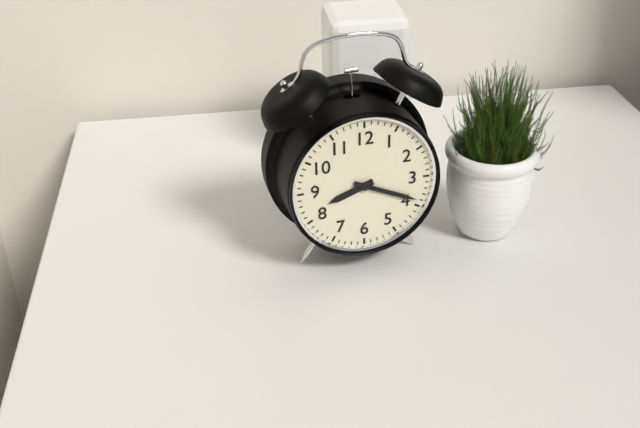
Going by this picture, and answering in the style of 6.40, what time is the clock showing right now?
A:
8.19
